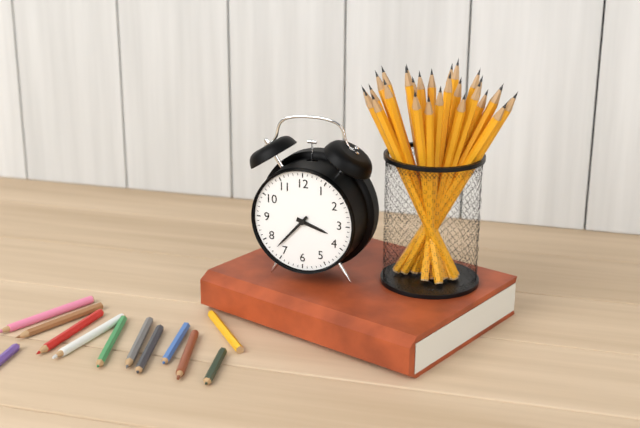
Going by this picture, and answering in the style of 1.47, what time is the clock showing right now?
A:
3.37
